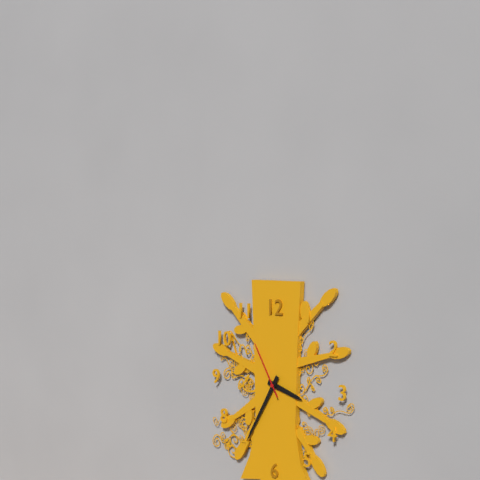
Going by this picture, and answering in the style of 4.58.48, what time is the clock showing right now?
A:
3.35.55
